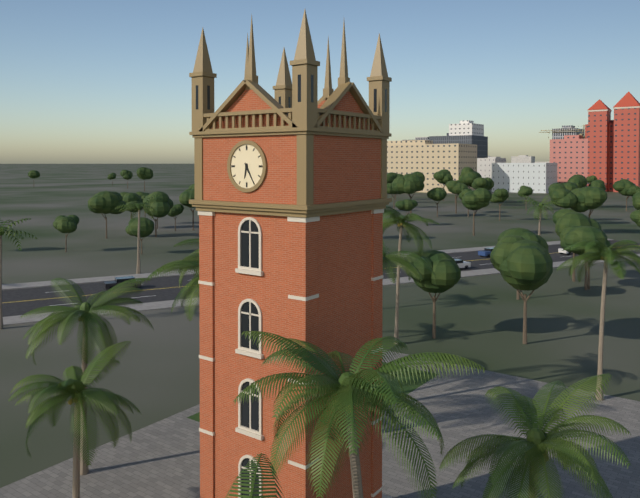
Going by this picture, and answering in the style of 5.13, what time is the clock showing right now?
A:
6.25
